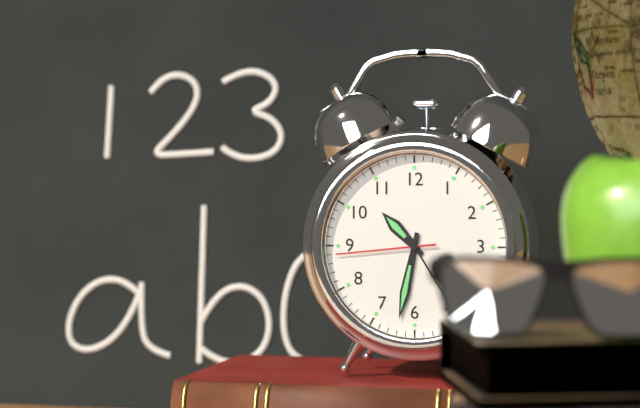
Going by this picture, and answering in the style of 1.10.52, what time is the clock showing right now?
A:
10.32.44
